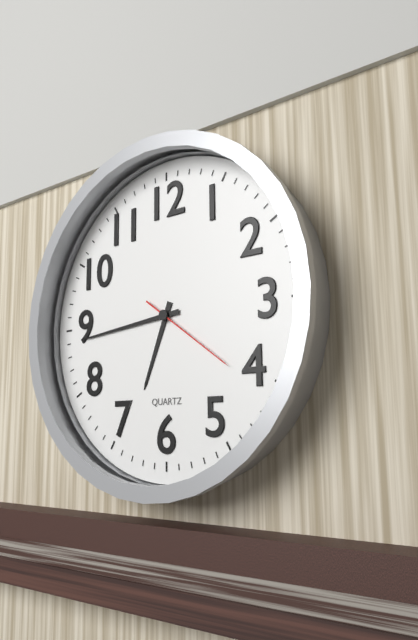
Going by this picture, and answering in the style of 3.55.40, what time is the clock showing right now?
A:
6.44.21
